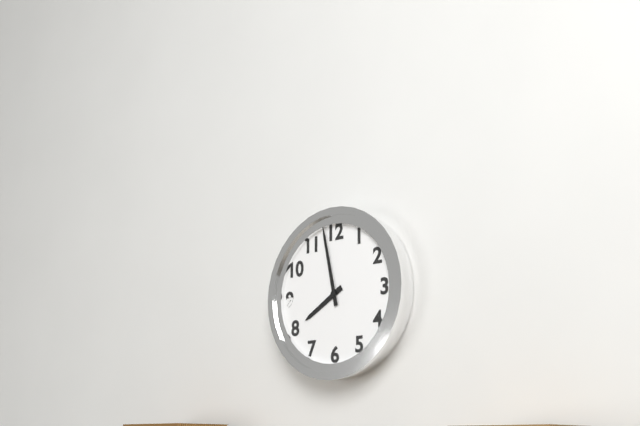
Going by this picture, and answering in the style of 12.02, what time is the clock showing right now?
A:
7.58
